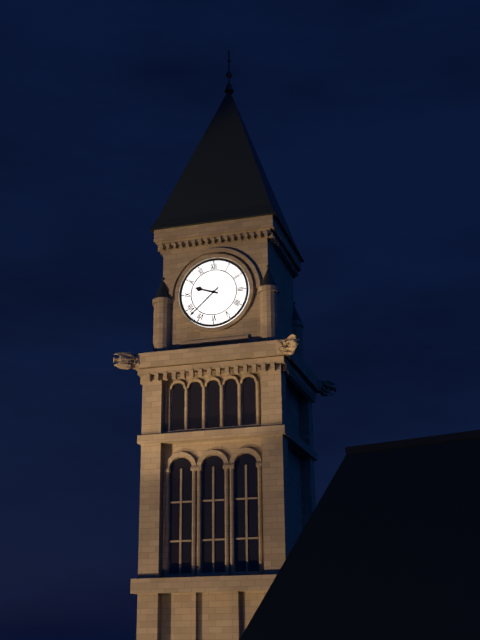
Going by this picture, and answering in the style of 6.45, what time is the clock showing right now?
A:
9.38
